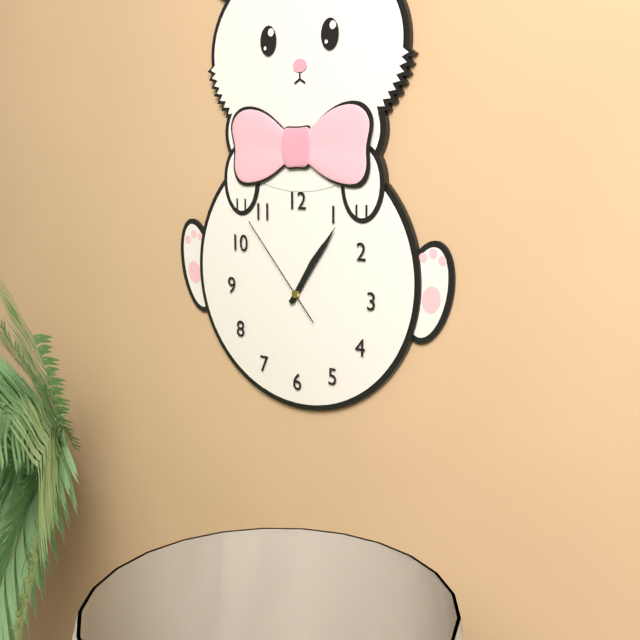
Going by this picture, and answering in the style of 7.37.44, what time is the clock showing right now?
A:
1.06.53
